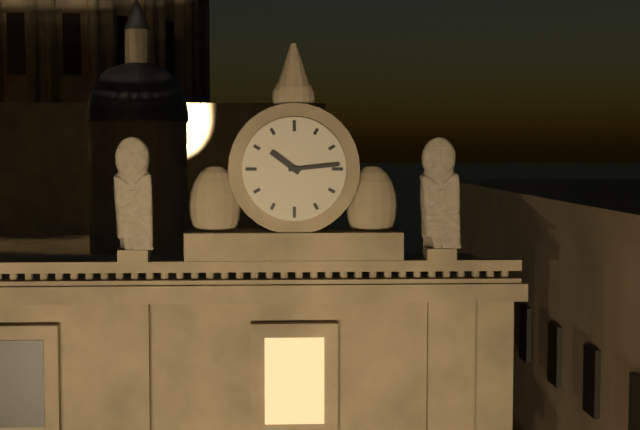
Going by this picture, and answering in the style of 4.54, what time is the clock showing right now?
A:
10.14
